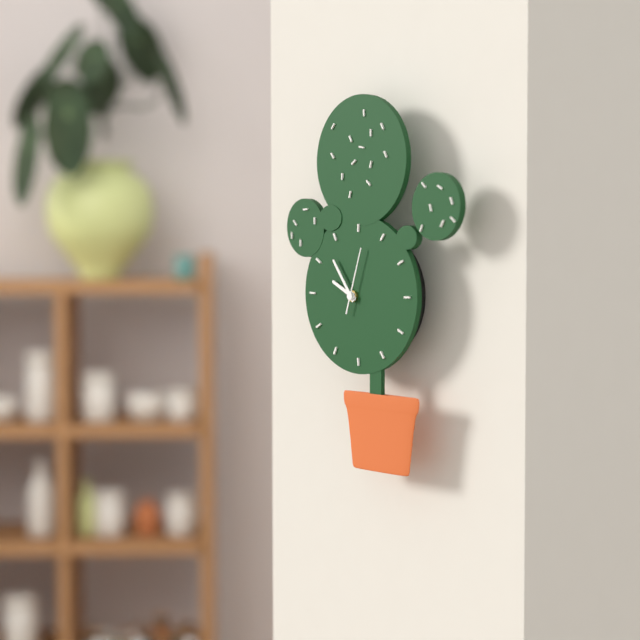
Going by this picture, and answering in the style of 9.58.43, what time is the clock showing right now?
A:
9.54.03
